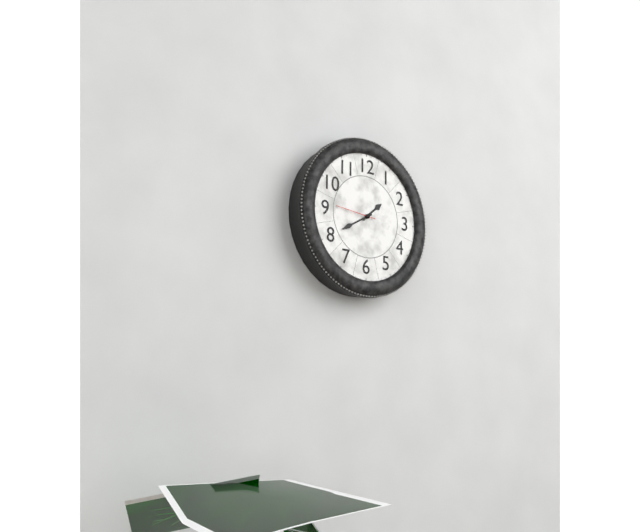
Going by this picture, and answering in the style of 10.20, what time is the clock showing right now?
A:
1.40
